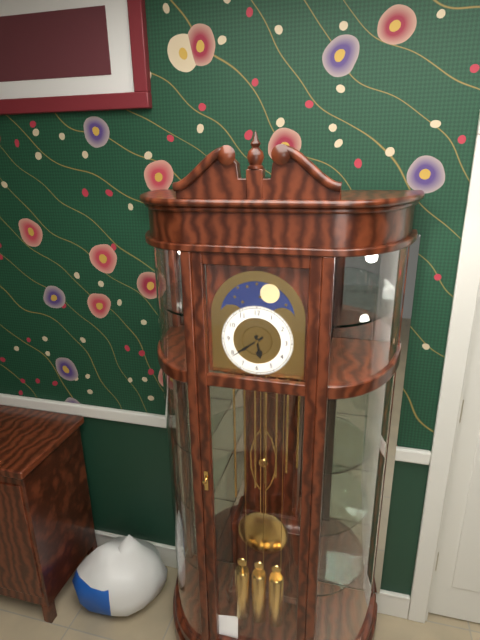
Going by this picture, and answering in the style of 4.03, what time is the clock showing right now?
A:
5.39
